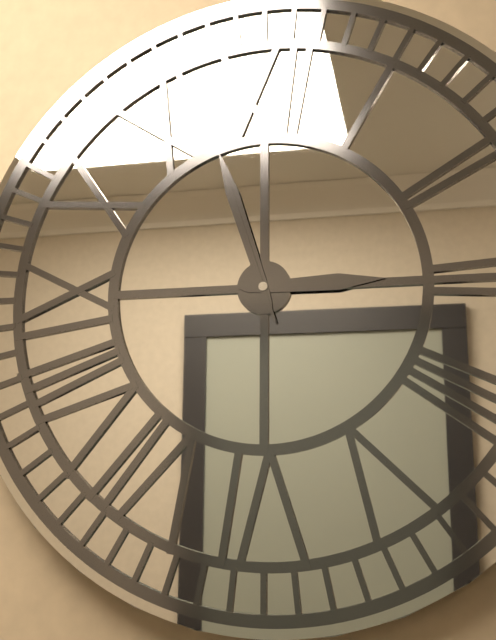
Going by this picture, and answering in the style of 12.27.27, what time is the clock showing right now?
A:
2.57.57
